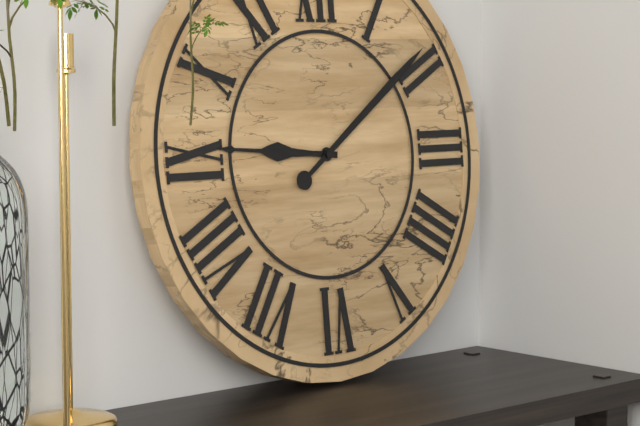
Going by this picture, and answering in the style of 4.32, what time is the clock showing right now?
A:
9.09
